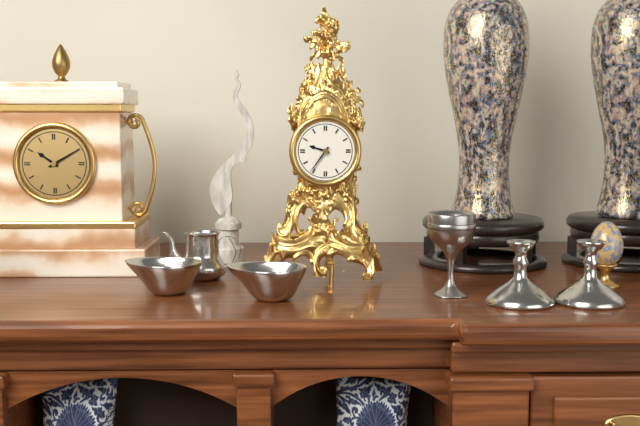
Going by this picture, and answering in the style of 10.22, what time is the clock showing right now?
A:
9.36
